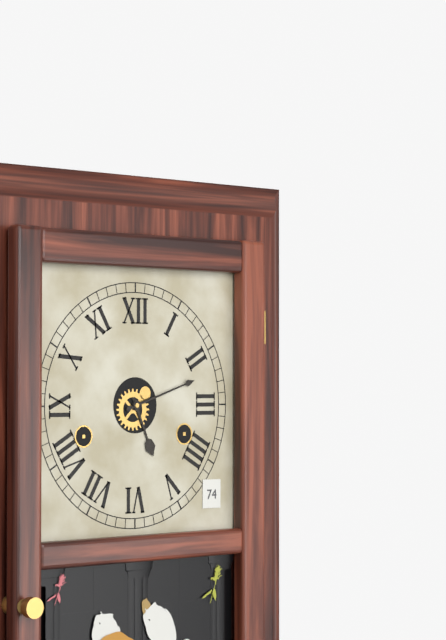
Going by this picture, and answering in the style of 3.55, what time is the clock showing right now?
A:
5.12
